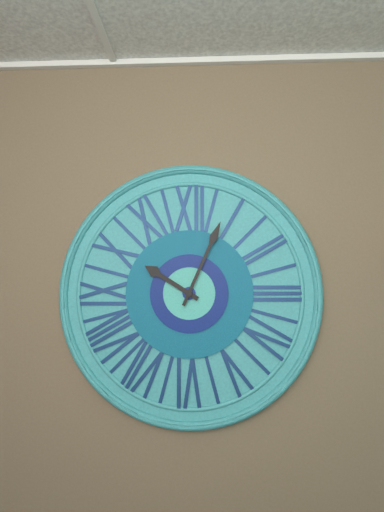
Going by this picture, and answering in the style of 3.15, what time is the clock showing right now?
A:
10.04
